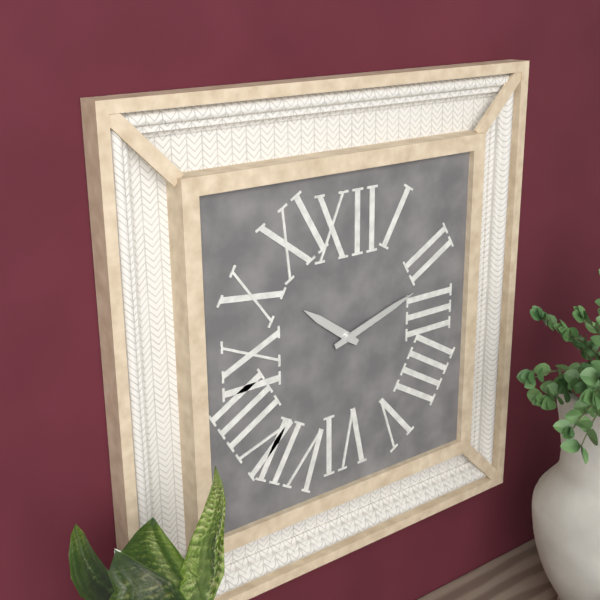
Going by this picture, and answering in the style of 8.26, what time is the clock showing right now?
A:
10.12
